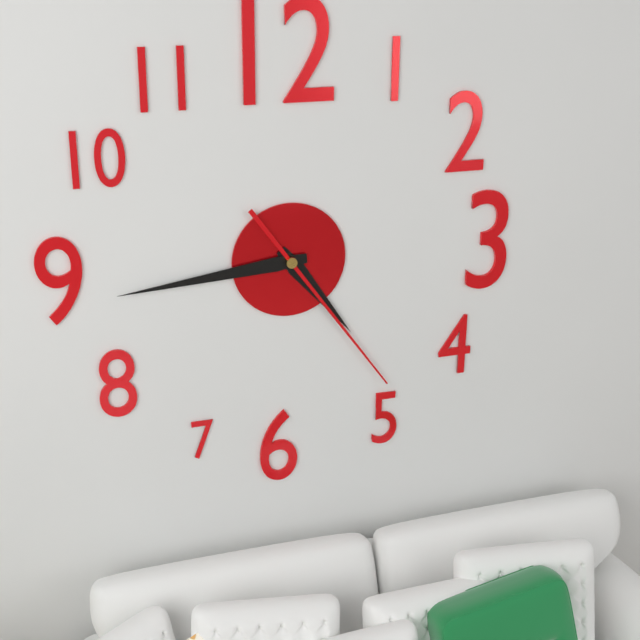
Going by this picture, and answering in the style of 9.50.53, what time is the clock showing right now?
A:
4.44.24
